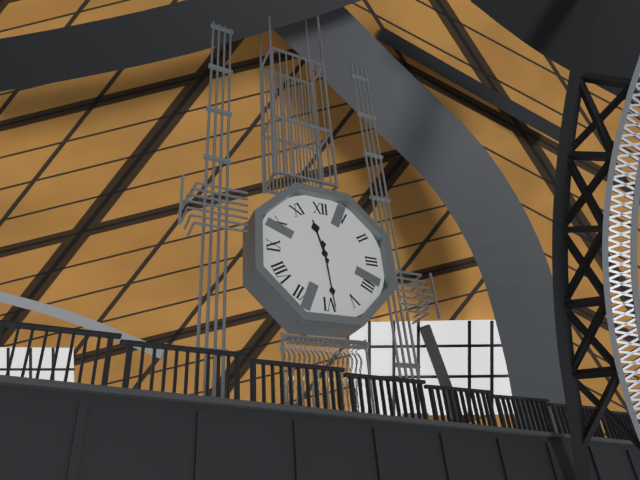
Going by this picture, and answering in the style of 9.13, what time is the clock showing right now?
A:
11.29
